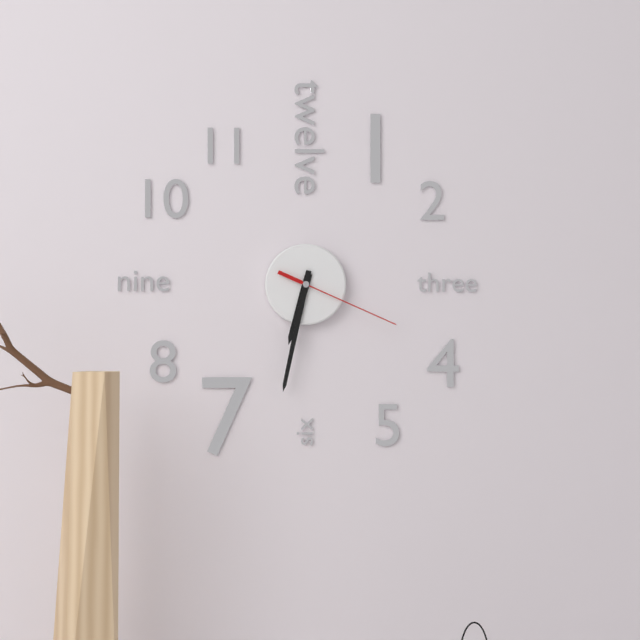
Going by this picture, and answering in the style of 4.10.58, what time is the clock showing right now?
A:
6.32.19
